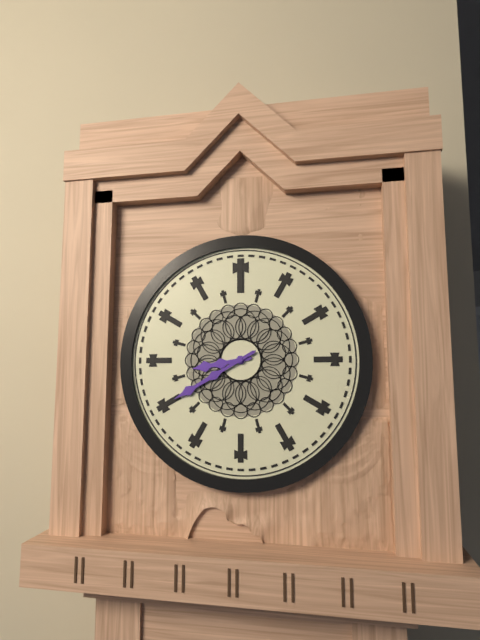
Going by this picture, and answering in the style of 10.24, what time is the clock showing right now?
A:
8.40
